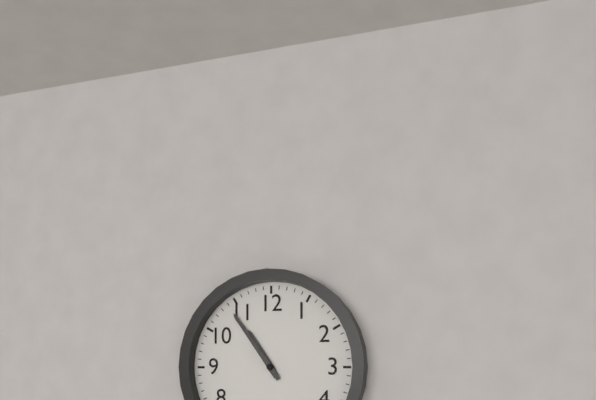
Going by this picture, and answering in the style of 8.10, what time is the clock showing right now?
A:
10.54
